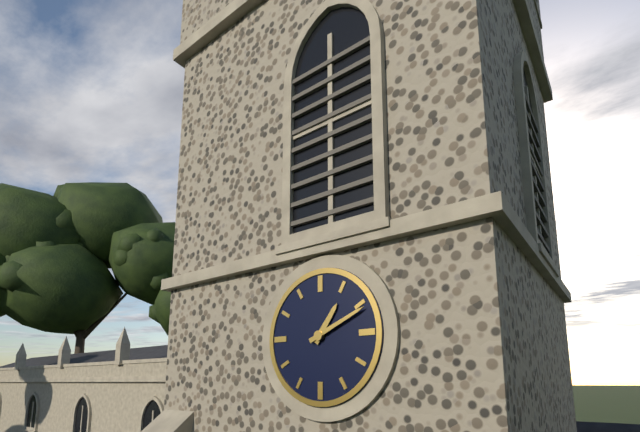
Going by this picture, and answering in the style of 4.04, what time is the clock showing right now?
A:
1.11
